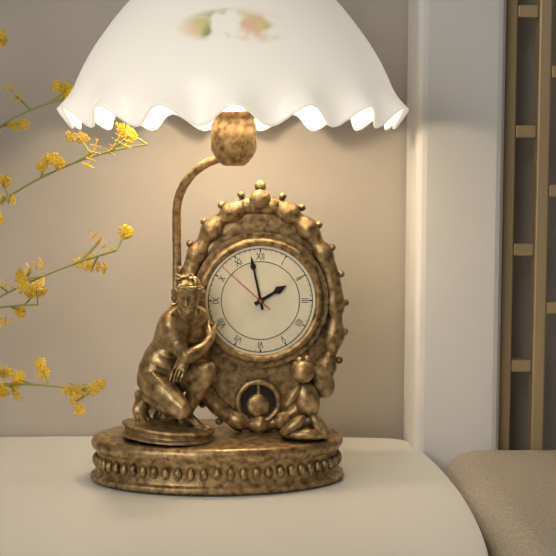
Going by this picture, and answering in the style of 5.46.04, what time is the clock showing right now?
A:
1.58.52
